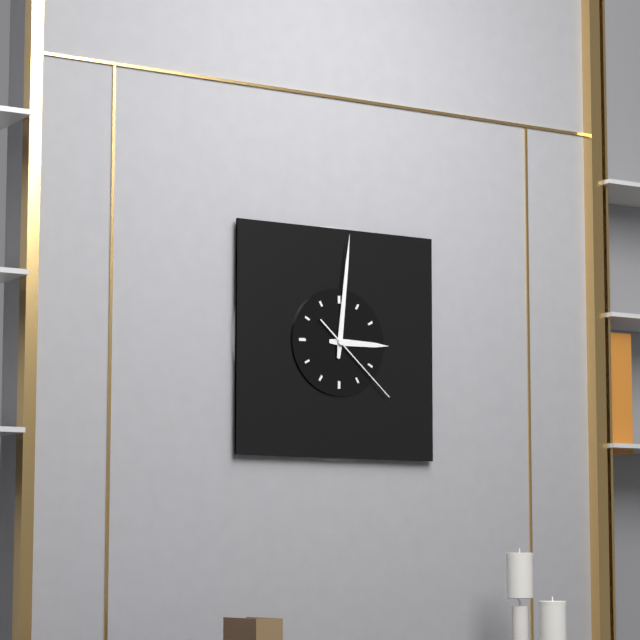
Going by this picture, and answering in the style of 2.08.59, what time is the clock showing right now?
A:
3.01.22
